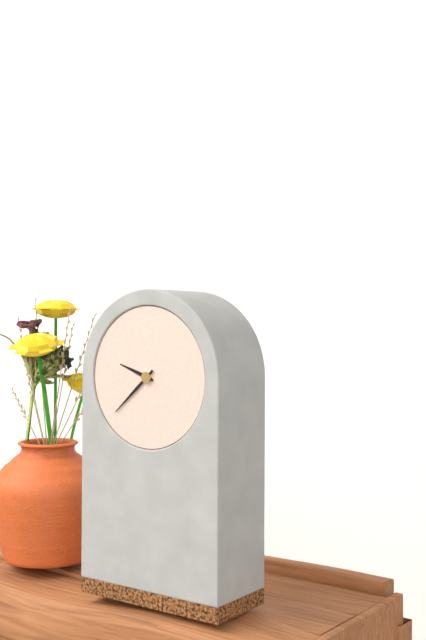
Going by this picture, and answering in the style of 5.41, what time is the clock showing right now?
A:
9.38
